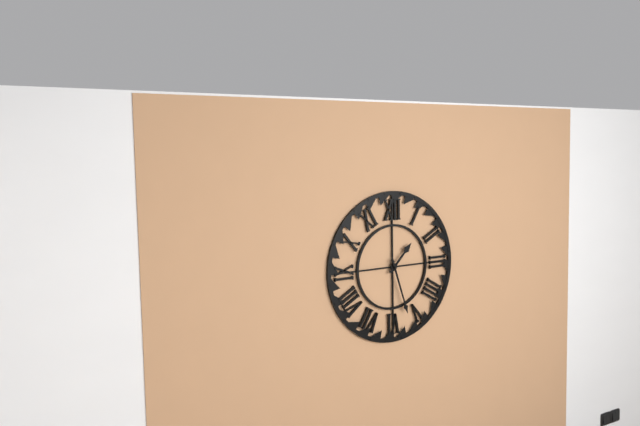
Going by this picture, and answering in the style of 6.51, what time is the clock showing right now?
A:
1.27
